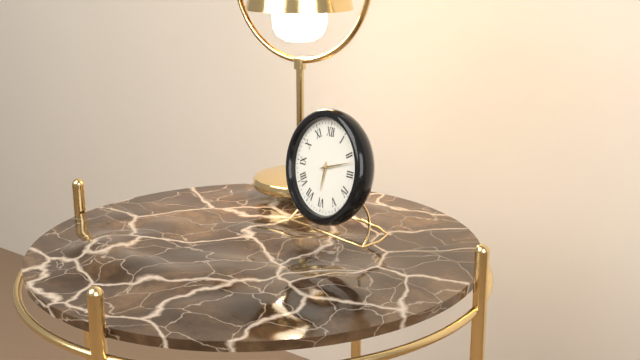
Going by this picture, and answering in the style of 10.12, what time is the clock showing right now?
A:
6.12
